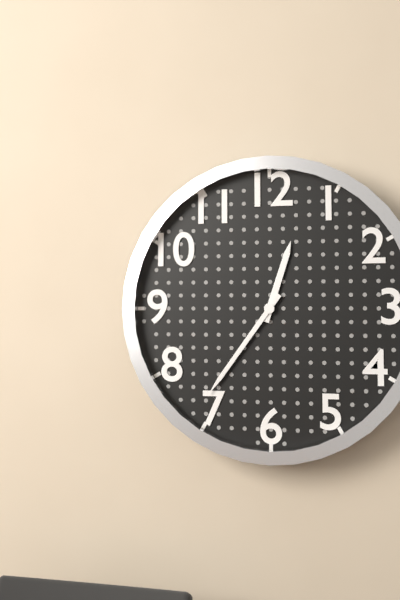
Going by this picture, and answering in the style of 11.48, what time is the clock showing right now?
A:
12.36
